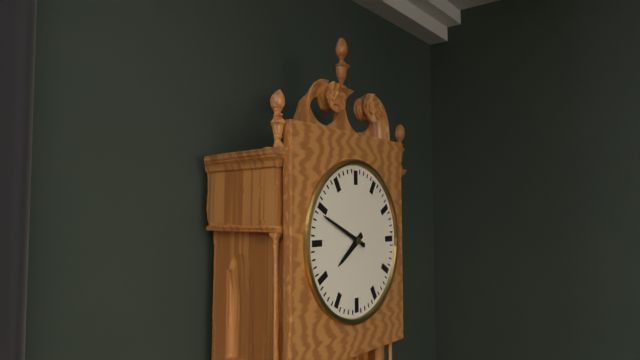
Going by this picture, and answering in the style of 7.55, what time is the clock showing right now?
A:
7.49
